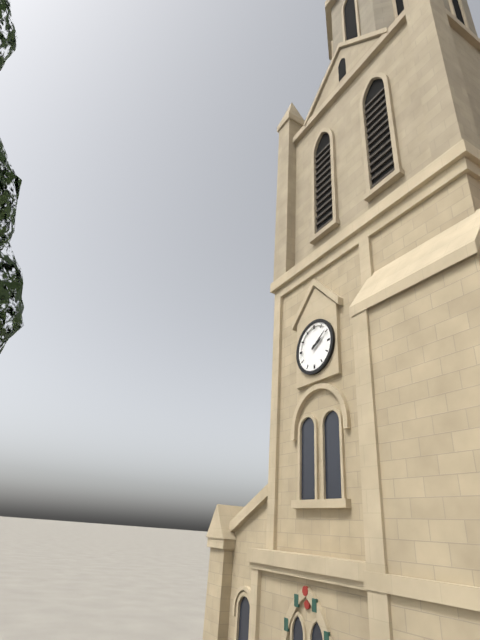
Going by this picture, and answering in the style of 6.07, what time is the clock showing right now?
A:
2.09
